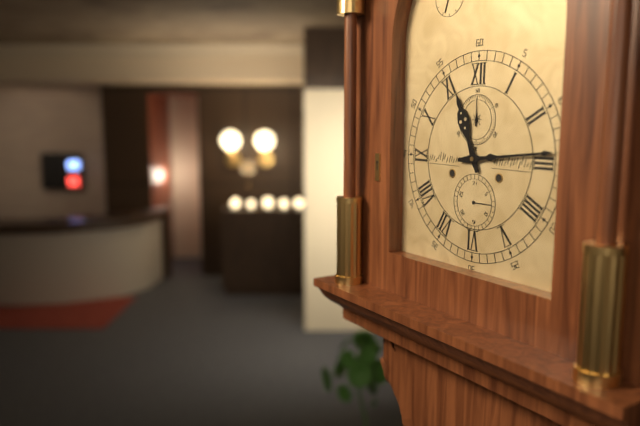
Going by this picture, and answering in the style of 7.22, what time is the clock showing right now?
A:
11.14
